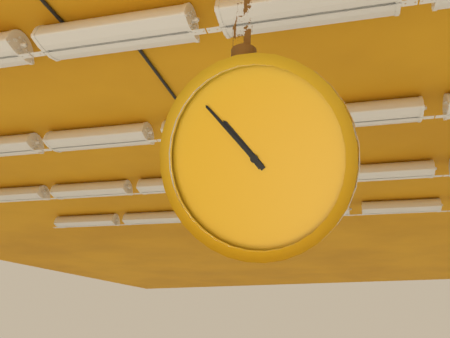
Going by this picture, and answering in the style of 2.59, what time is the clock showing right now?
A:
10.54
